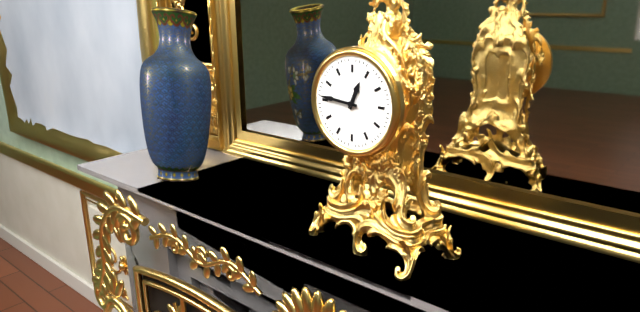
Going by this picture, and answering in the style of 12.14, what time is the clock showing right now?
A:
12.46
